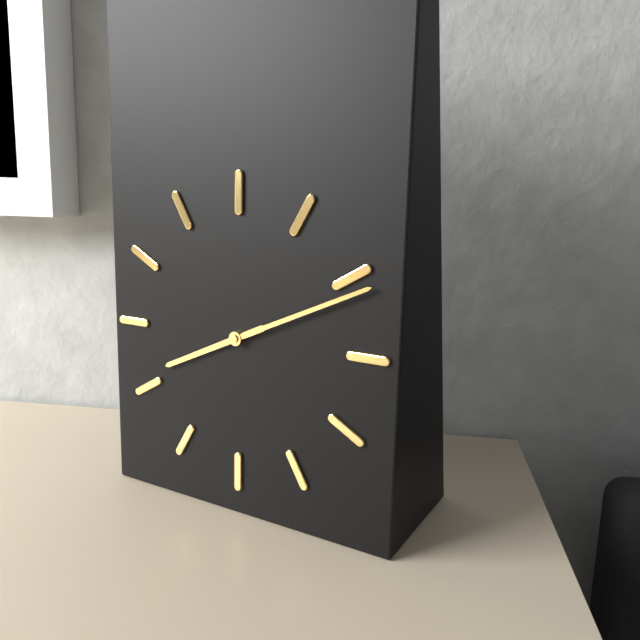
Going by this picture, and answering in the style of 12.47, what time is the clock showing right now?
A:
8.11
